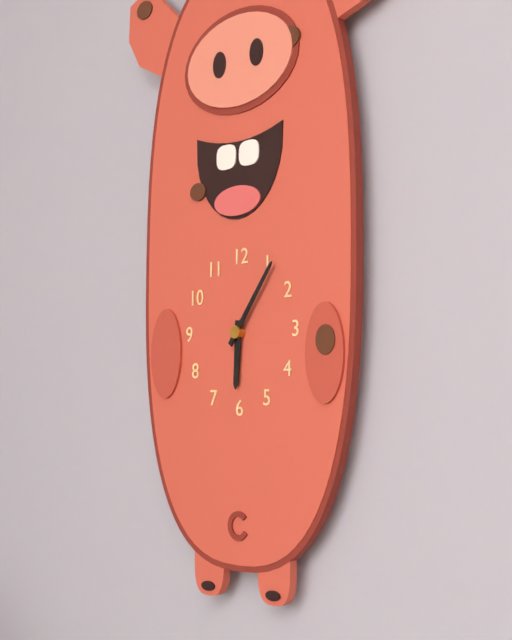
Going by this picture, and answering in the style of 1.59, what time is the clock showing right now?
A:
6.06
